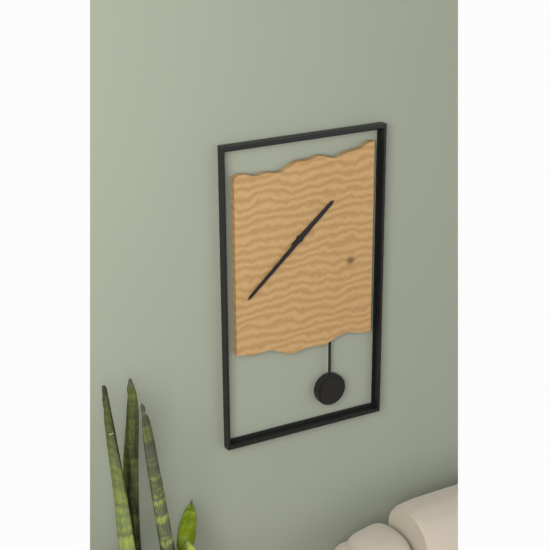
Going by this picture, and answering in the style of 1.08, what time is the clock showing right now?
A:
1.38
